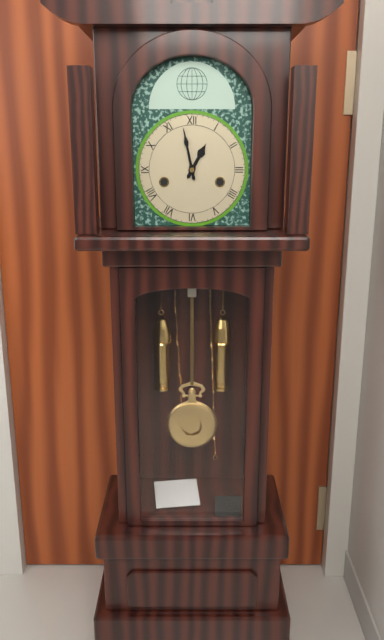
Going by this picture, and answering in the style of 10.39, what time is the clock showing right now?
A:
12.58
